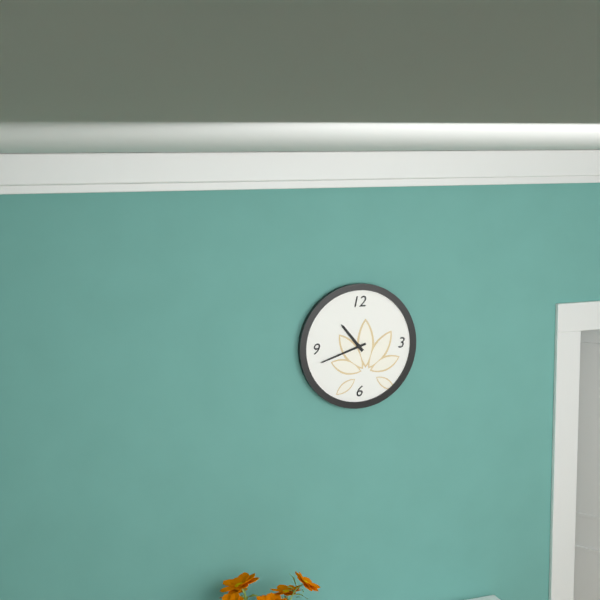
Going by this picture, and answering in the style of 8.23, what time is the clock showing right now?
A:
10.42
